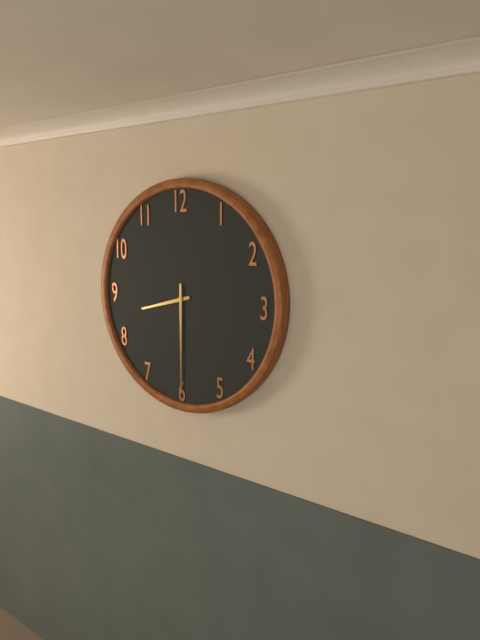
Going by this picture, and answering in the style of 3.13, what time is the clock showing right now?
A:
8.30
